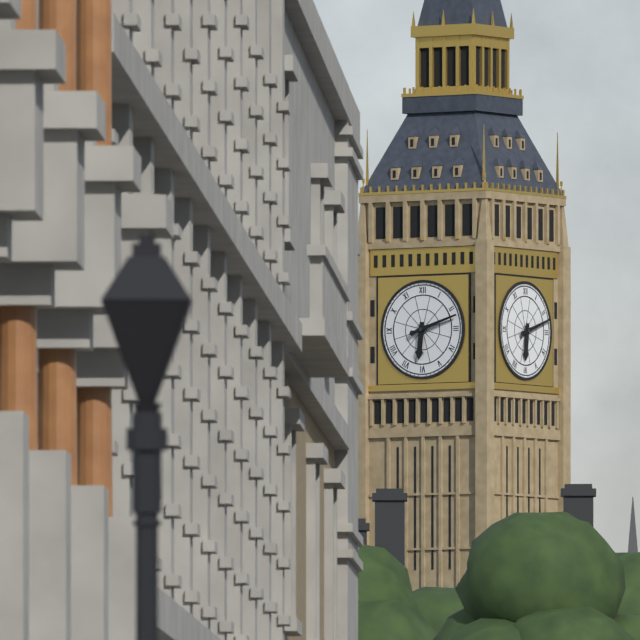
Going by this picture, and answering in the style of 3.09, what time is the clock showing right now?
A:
6.12
